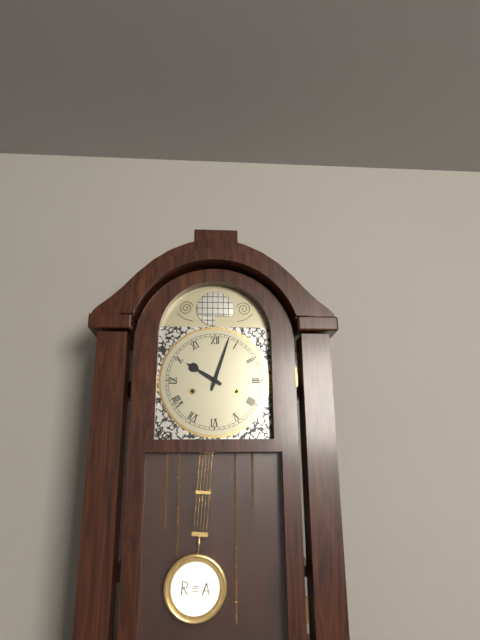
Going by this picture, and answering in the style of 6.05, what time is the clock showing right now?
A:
10.03
